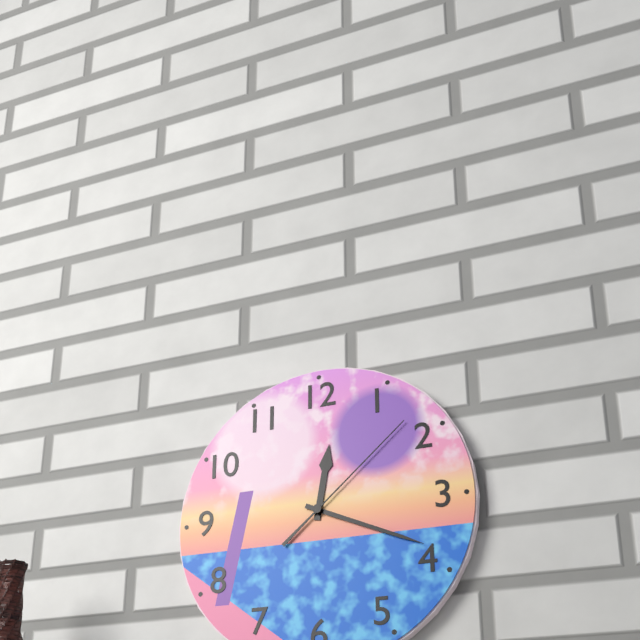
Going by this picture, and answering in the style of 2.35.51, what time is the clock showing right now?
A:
12.19.08
